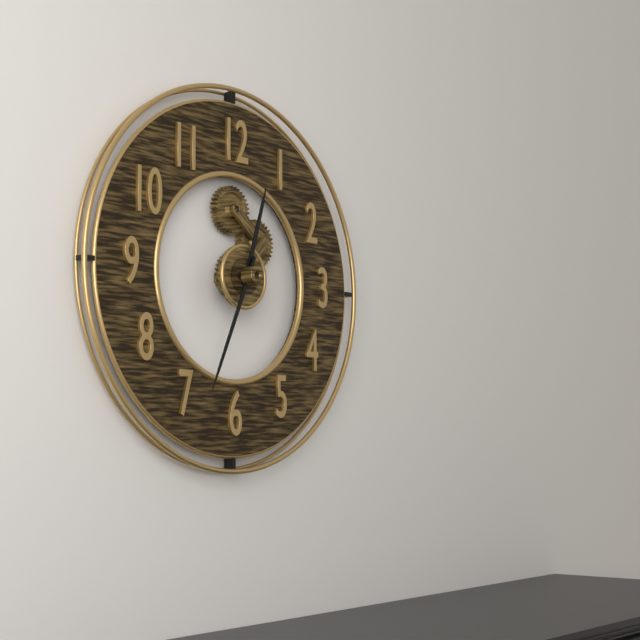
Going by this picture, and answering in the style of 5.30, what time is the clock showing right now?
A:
12.34
